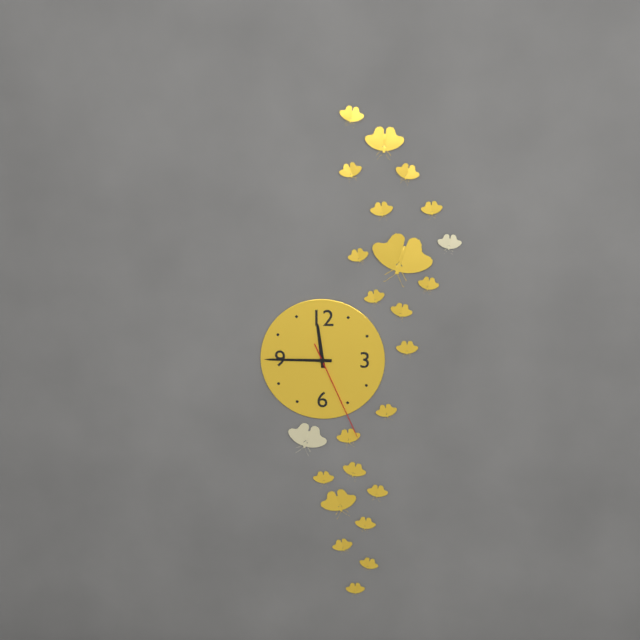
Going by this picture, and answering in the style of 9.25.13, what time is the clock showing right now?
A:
11.45.26
